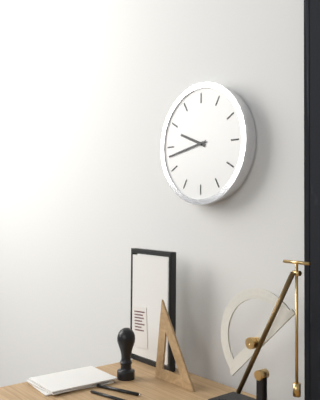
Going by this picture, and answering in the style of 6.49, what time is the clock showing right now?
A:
9.43
